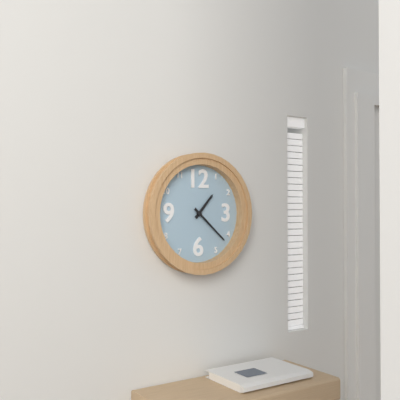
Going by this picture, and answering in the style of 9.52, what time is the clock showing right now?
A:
1.22
